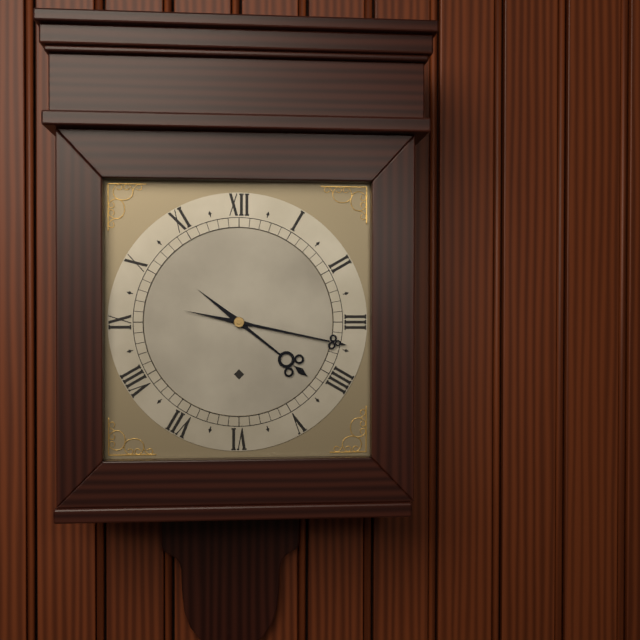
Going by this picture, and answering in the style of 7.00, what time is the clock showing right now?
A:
4.17
